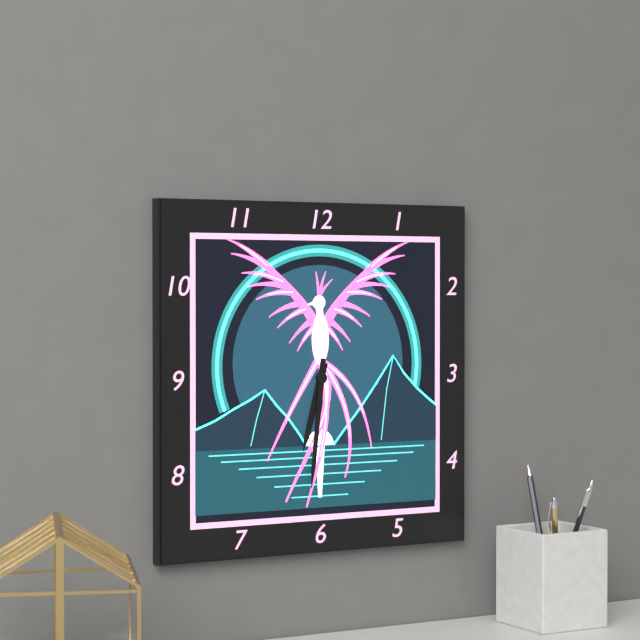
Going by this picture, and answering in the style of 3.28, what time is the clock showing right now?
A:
6.31
